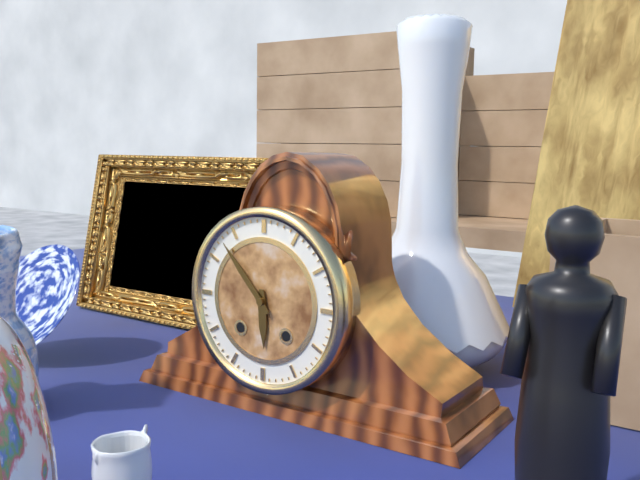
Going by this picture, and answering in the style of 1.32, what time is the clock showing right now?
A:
5.53
